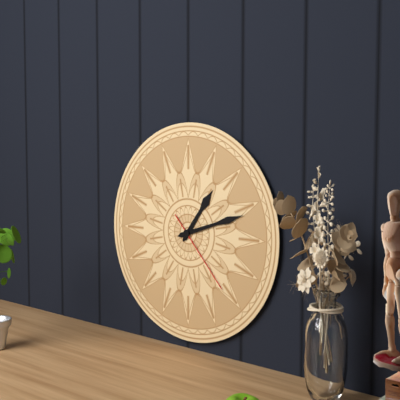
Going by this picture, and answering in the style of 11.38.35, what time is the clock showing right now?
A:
1.12.23
